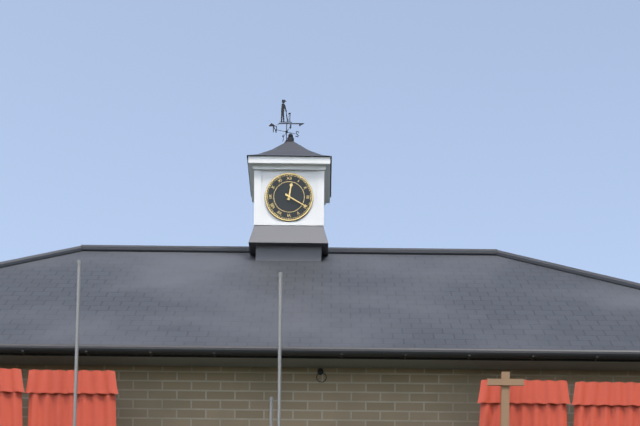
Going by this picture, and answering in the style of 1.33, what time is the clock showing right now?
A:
12.20
